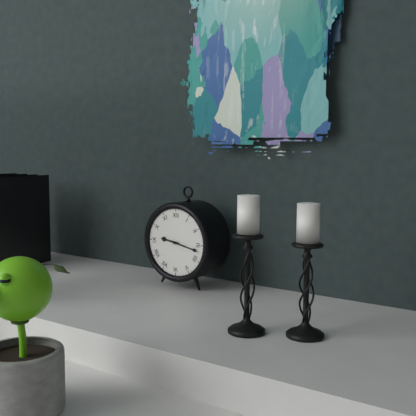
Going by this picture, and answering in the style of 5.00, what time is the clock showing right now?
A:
9.17
